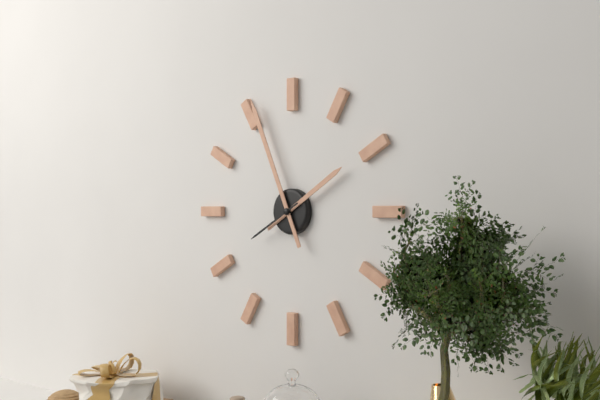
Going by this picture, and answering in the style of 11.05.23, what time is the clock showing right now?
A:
1.56.40
